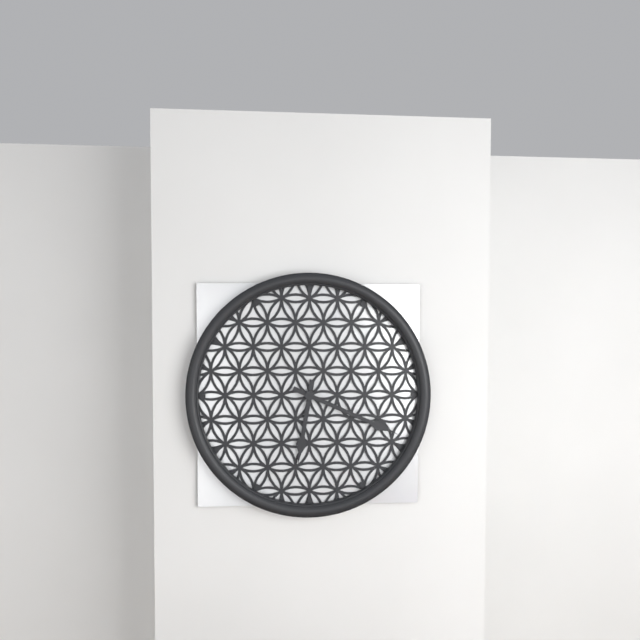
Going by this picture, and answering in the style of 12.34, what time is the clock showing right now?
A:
6.19
